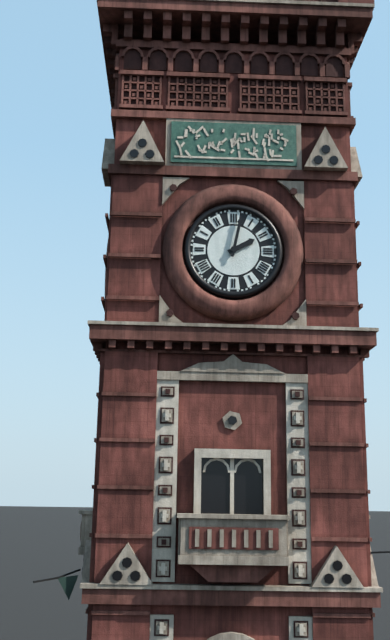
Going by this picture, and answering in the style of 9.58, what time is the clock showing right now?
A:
2.02
